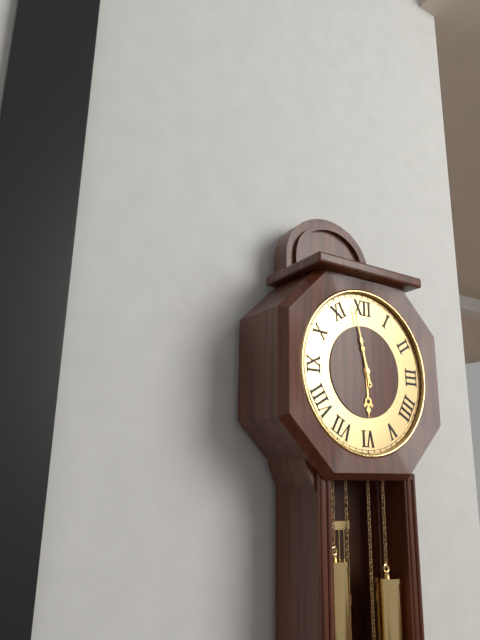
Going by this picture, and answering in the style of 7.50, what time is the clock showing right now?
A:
5.58
